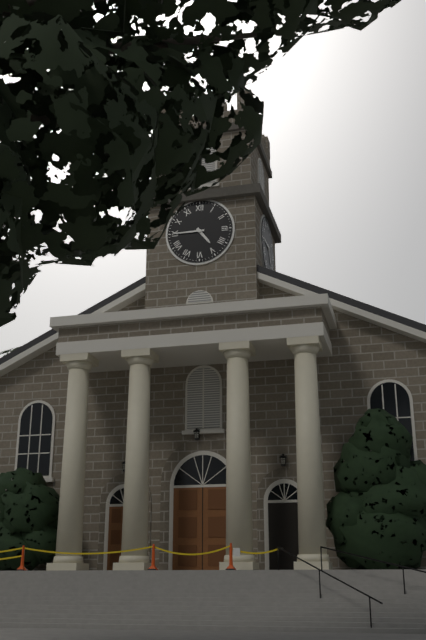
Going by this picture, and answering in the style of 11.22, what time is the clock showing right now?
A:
4.45
